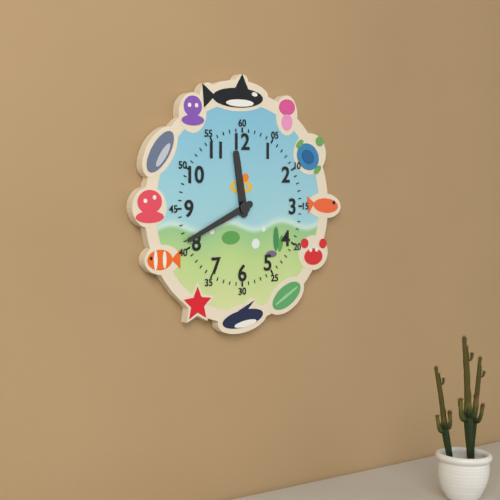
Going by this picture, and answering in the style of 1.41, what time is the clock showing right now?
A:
11.41
